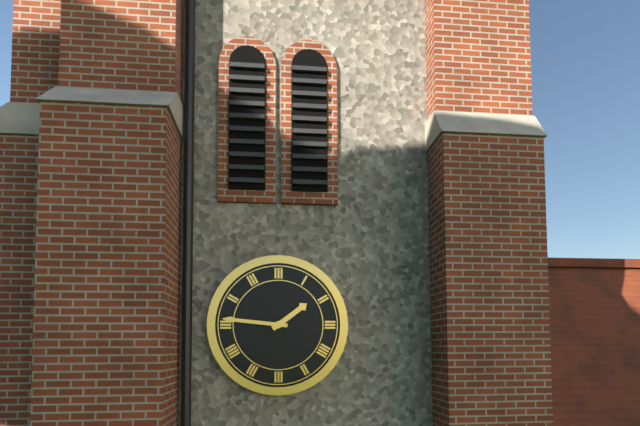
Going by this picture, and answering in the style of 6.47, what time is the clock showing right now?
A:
1.46
